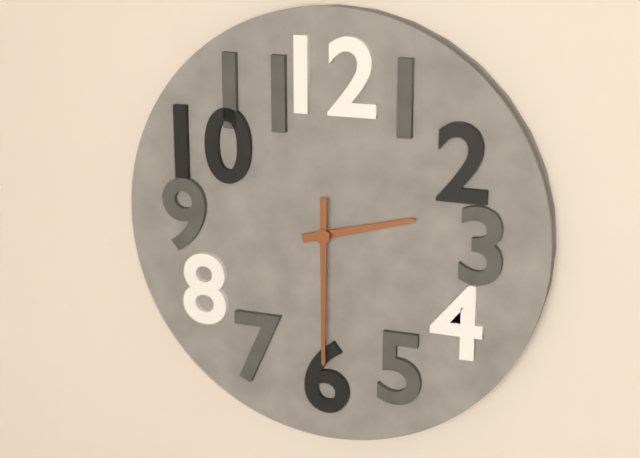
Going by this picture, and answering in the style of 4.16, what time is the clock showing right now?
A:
2.30
